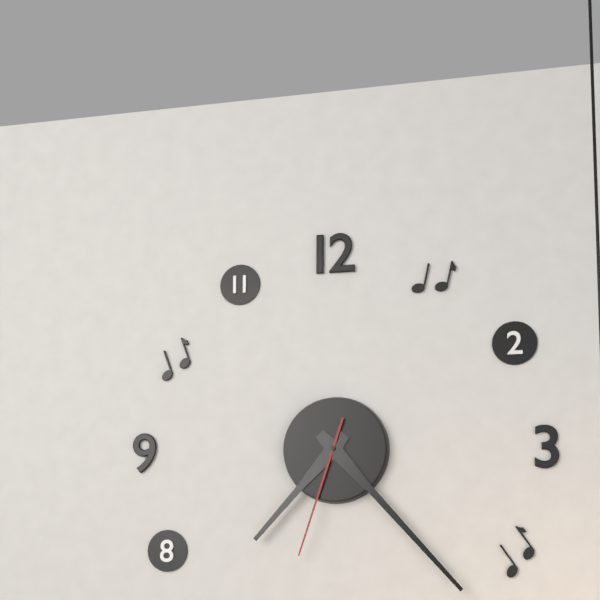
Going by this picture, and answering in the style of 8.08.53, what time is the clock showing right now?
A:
7.23.33
